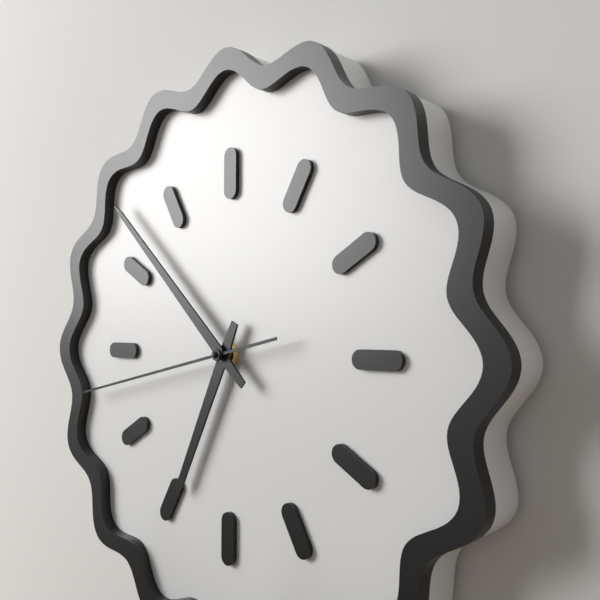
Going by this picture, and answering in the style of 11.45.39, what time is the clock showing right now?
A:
6.52.43
